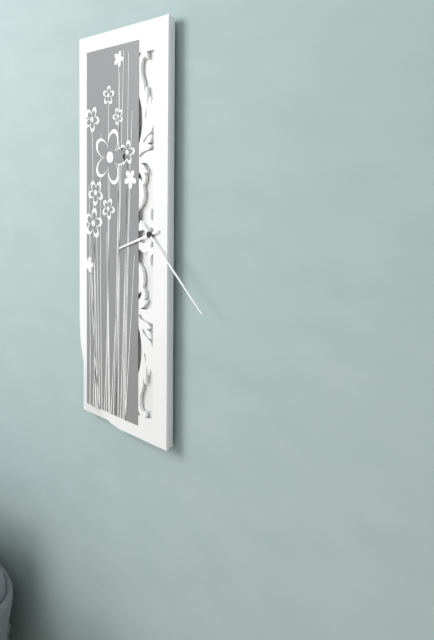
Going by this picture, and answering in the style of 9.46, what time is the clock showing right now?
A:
8.22
